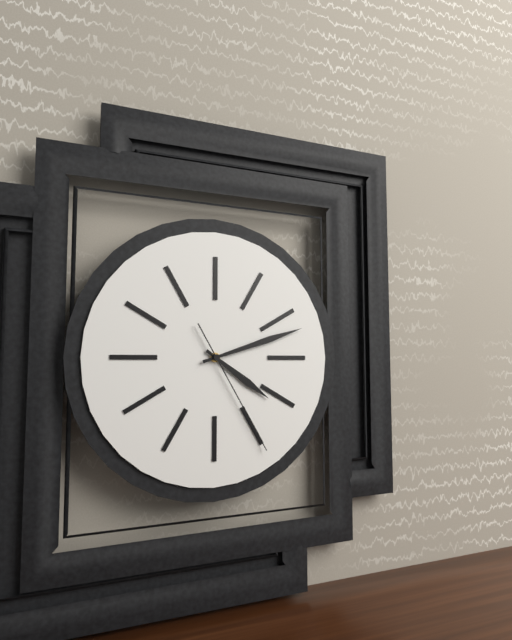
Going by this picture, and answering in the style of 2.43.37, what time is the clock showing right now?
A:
4.12.25
